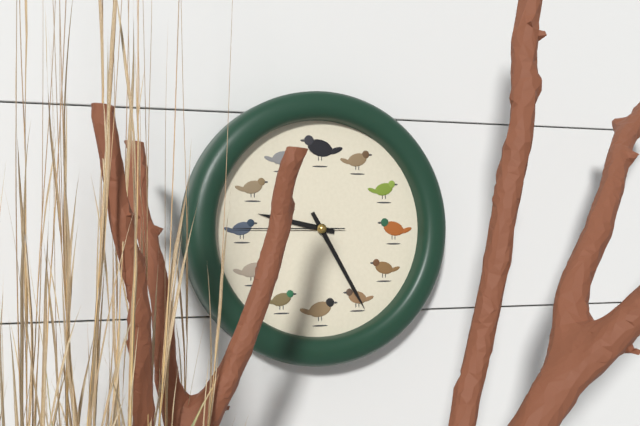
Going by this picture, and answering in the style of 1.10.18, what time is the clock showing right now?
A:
9.25.45
